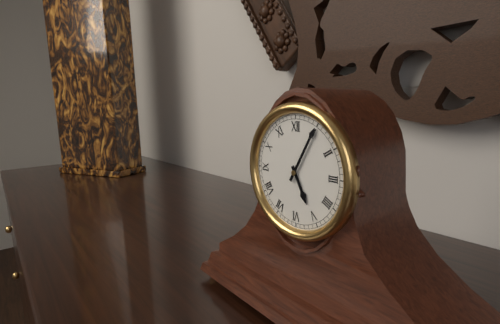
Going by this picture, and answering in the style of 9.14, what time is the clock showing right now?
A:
5.05
